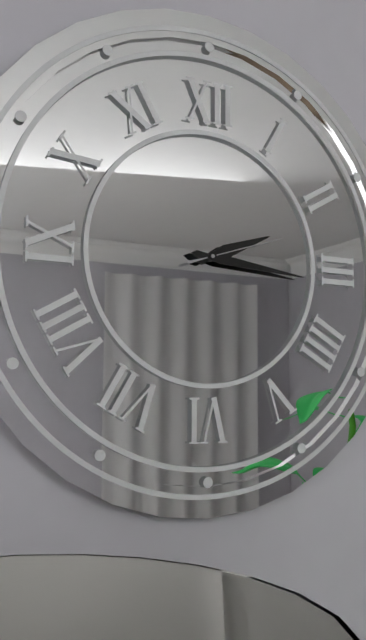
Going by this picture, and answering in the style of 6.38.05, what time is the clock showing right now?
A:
2.16.12
